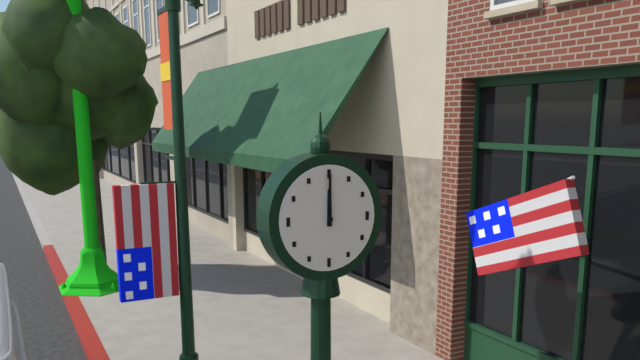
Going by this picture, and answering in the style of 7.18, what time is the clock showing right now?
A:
12.00
